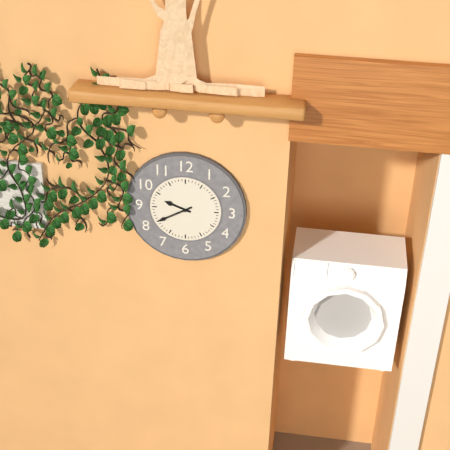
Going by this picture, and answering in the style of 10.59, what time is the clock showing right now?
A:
9.40
